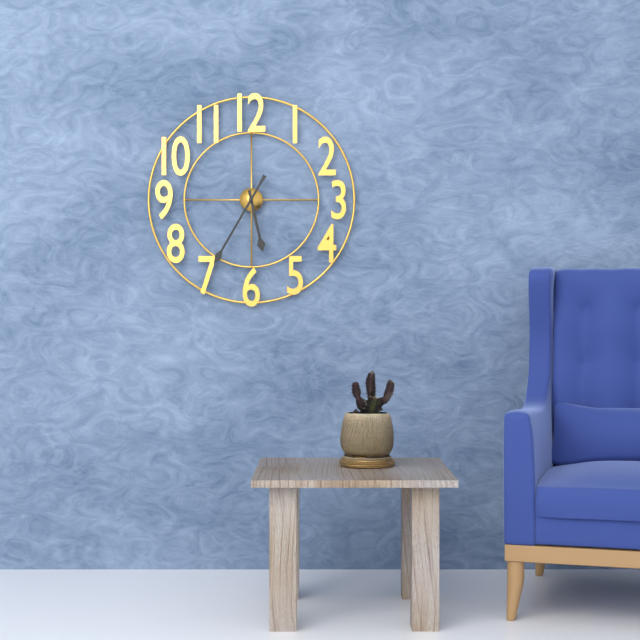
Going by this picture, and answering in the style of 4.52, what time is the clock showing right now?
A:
5.35
